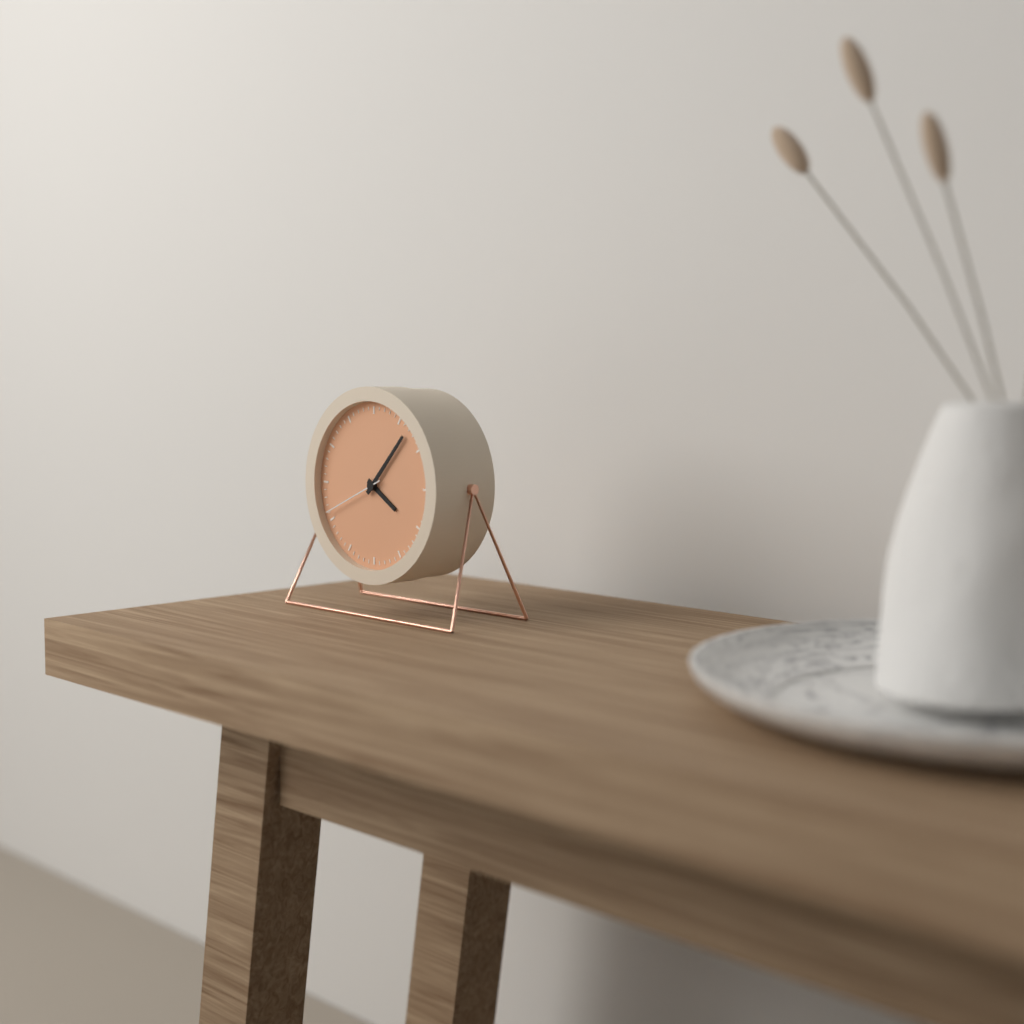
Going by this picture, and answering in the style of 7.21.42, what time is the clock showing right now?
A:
4.07.41
